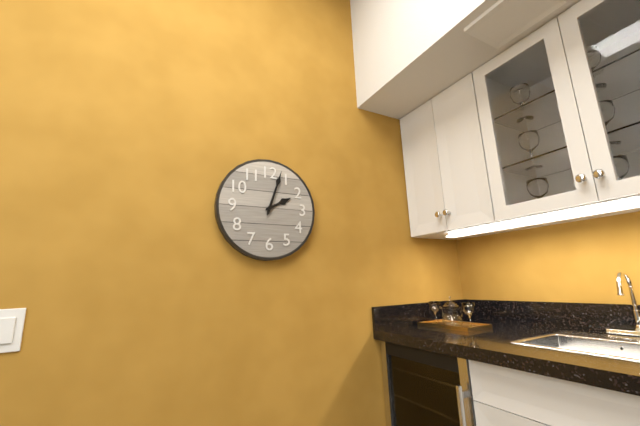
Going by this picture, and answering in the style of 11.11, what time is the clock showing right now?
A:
2.03
